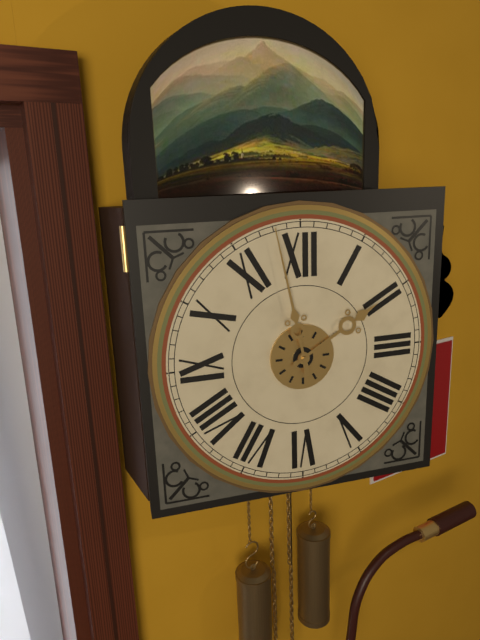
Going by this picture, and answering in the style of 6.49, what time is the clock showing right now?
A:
1.58
